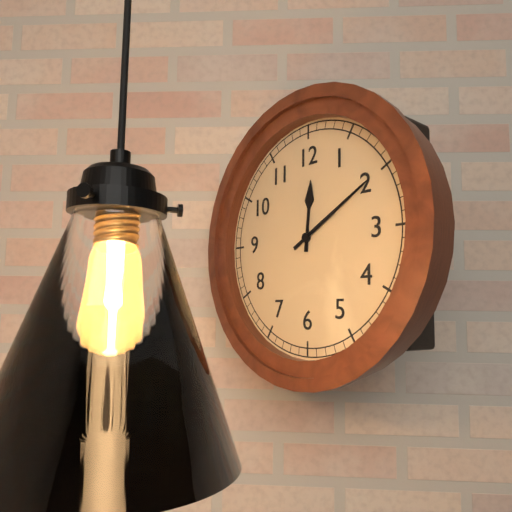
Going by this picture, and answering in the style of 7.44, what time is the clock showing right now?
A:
12.10
